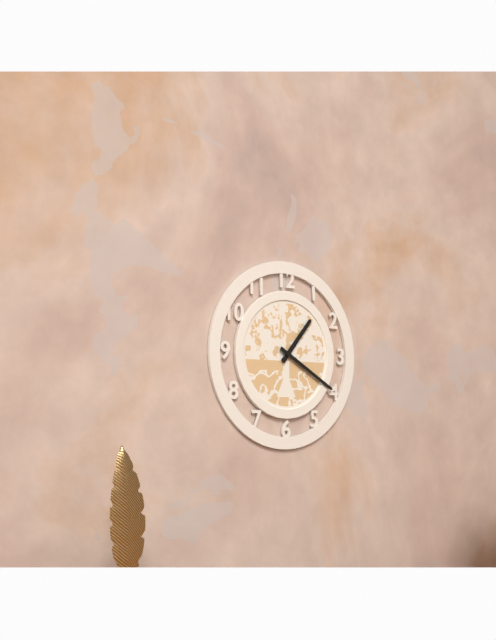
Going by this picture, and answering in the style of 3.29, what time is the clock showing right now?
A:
1.20
